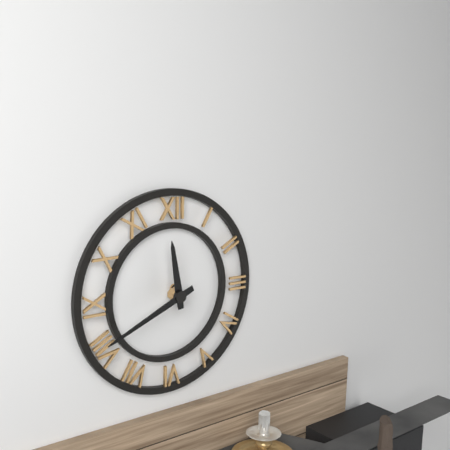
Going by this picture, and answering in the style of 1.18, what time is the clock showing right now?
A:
11.41
